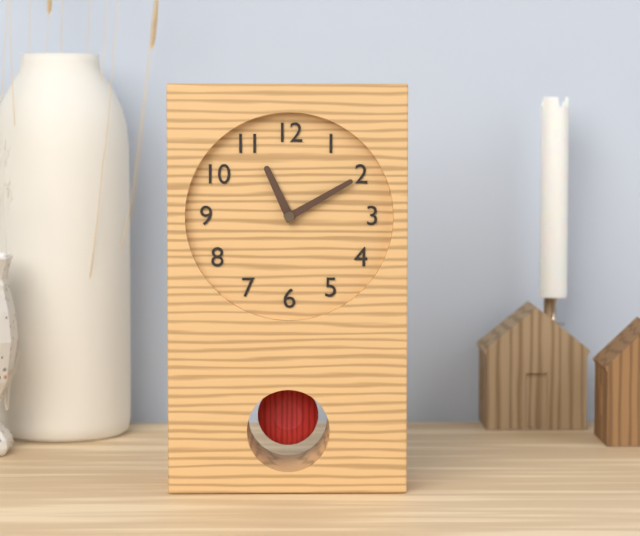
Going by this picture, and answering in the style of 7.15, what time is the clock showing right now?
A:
11.10
